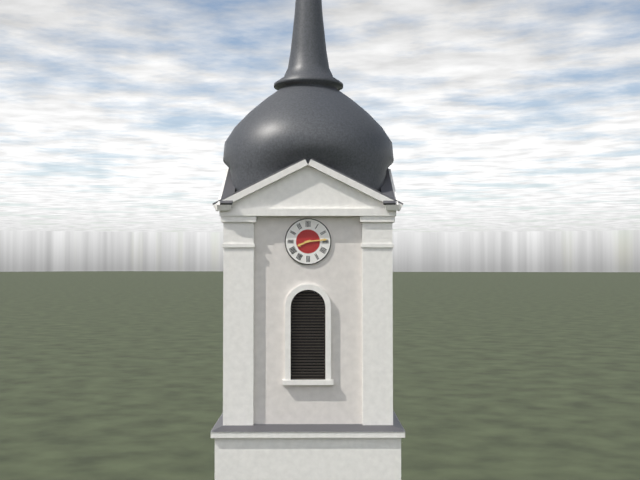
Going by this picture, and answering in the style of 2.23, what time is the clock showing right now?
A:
8.14
